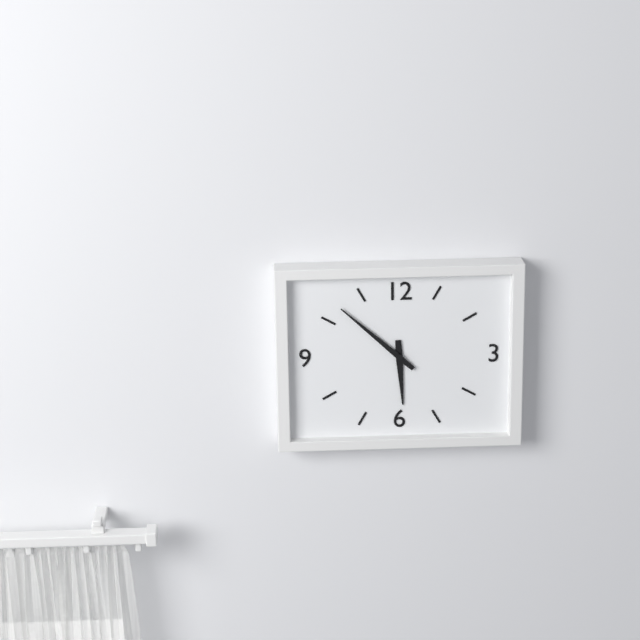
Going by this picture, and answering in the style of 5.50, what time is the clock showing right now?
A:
5.52
